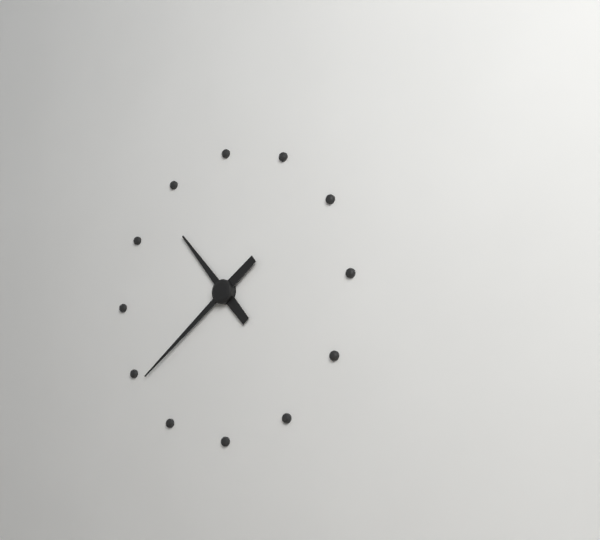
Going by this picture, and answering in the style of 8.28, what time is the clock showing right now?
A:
10.39
